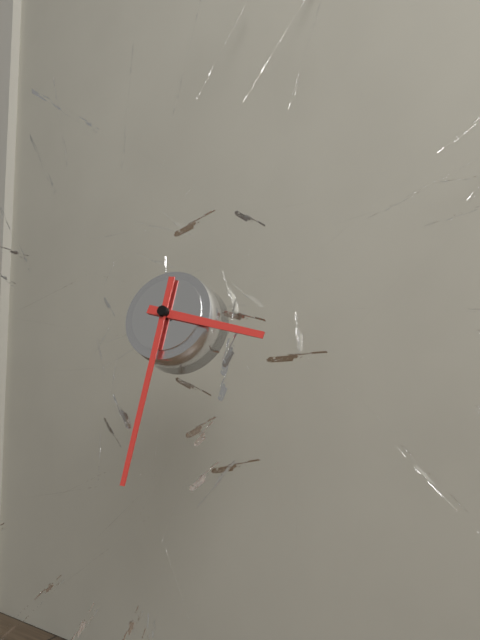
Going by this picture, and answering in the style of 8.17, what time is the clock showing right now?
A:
3.31
